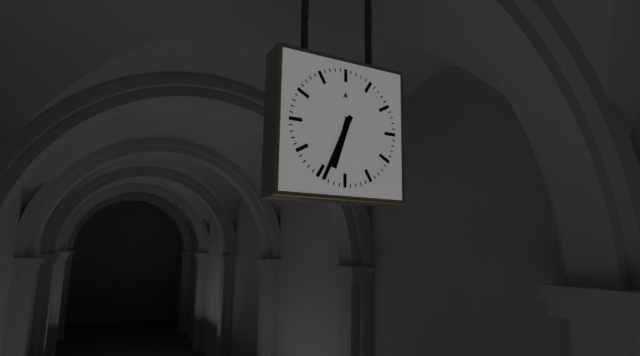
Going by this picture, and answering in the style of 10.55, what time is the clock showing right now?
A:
6.34
